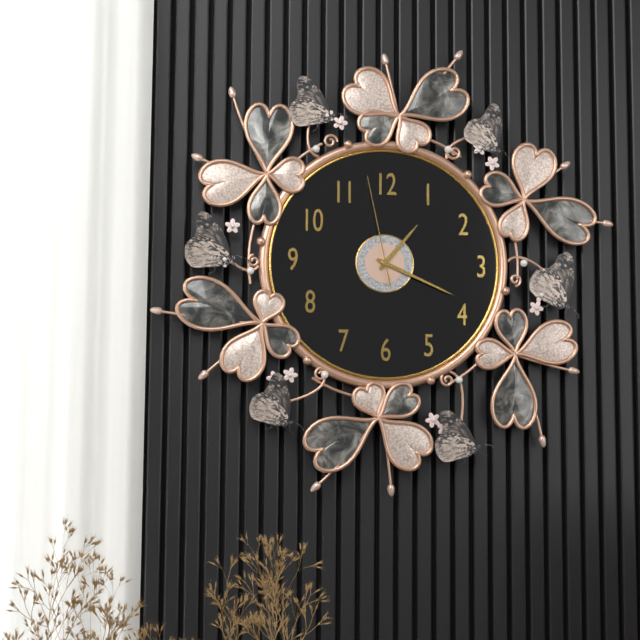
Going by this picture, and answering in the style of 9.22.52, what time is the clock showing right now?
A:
1.19.58
